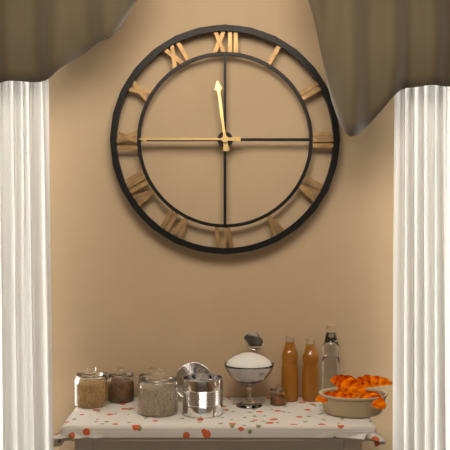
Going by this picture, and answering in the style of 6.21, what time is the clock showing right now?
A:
11.45
